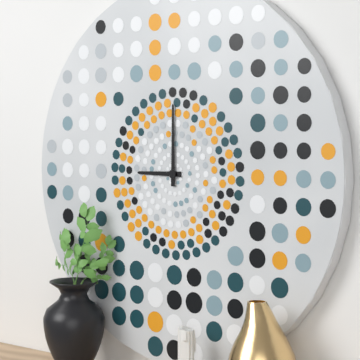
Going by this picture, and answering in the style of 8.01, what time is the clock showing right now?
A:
9.00
